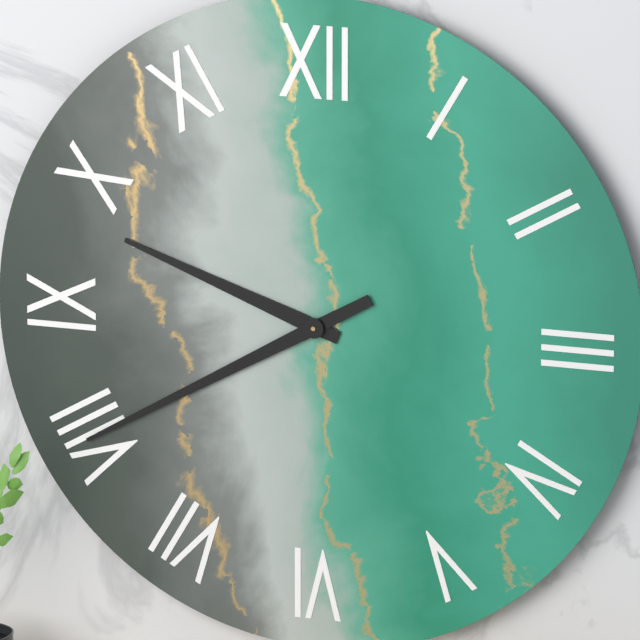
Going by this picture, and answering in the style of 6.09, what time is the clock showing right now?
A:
9.40
